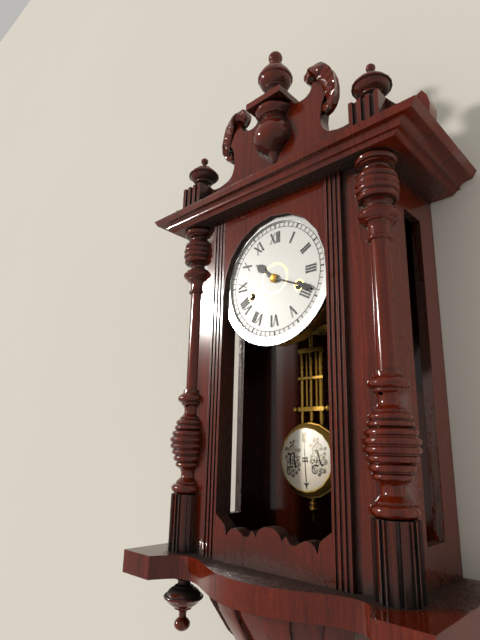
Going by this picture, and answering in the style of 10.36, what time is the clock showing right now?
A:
10.19
